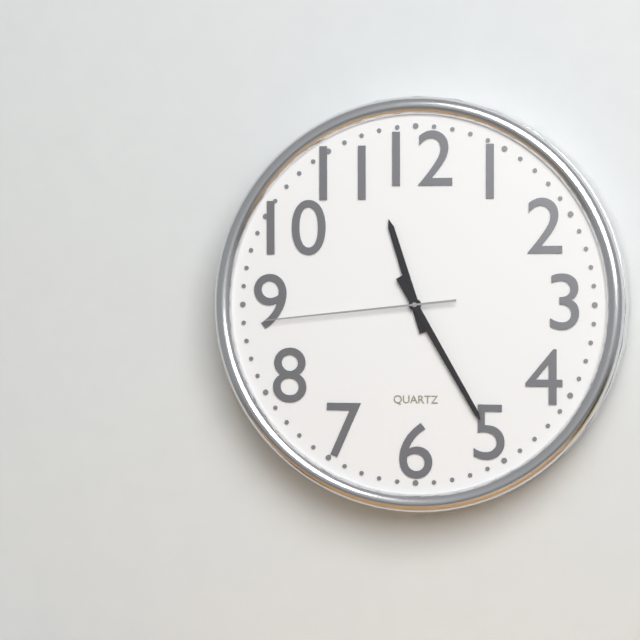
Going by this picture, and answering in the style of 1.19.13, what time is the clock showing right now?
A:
11.25.44
